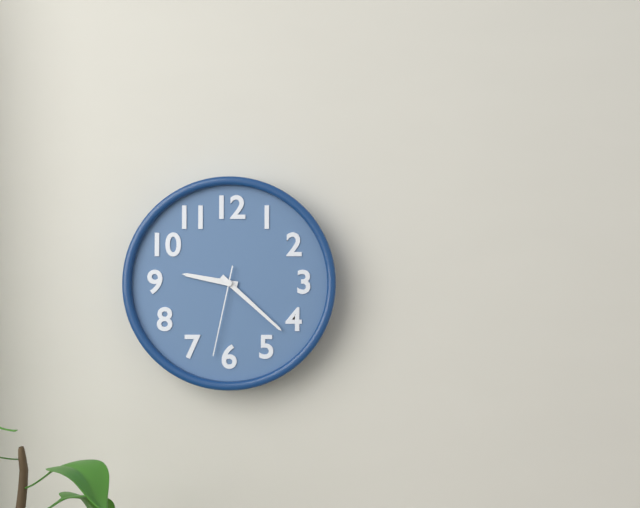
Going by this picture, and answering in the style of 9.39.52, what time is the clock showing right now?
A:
9.22.32
